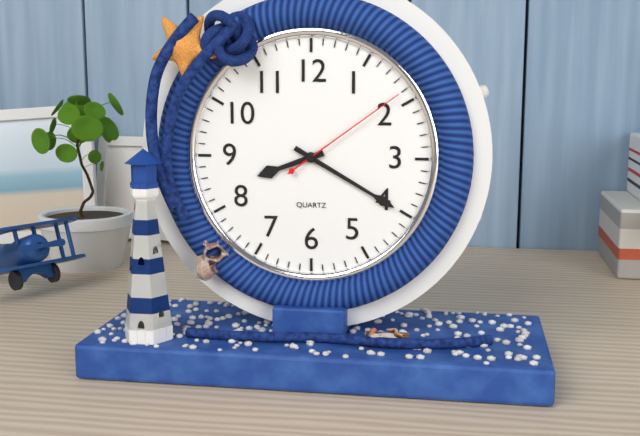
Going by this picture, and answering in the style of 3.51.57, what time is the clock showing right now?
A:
8.20.09
